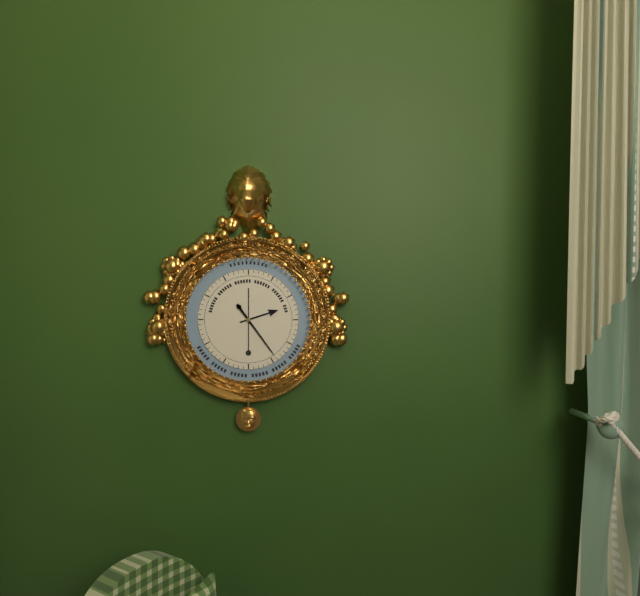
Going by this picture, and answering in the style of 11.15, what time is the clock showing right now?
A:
2.24
